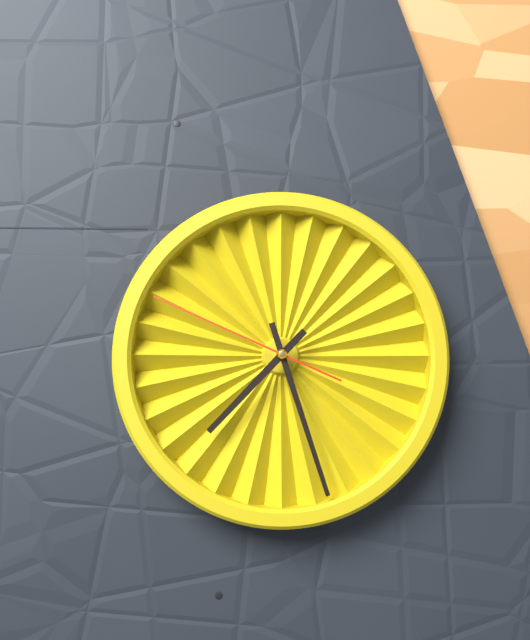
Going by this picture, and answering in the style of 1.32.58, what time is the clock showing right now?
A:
7.27.49
